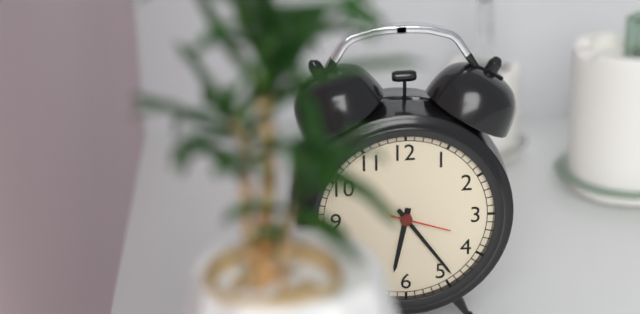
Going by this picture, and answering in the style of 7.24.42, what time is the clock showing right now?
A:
6.24.18
